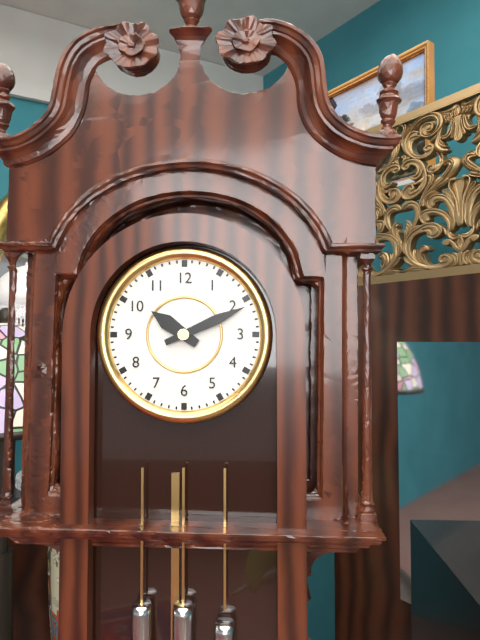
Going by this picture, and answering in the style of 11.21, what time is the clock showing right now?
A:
10.11
